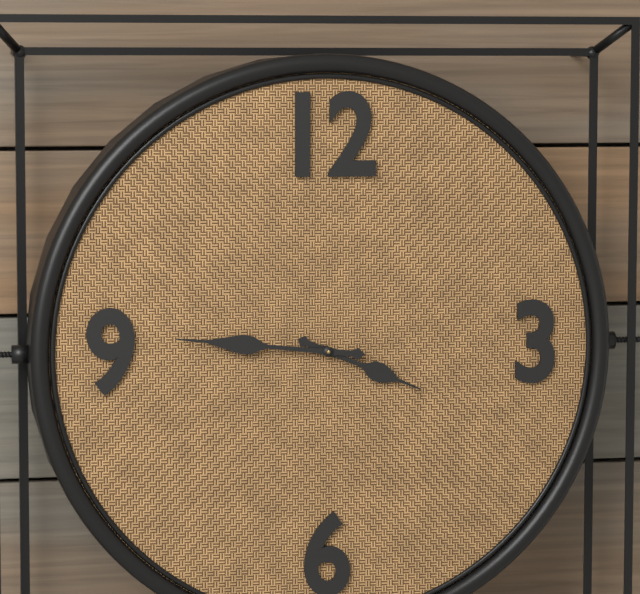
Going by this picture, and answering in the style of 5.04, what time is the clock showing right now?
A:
3.46
